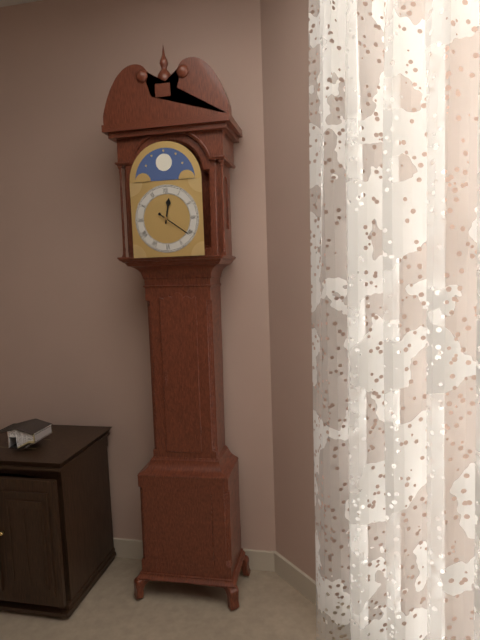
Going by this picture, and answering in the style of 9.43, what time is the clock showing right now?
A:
12.21
